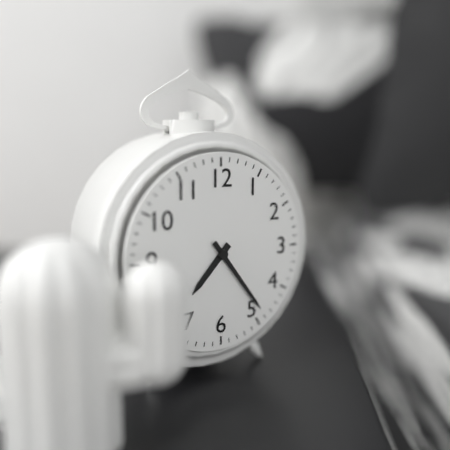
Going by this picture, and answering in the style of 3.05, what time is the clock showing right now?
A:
7.24
